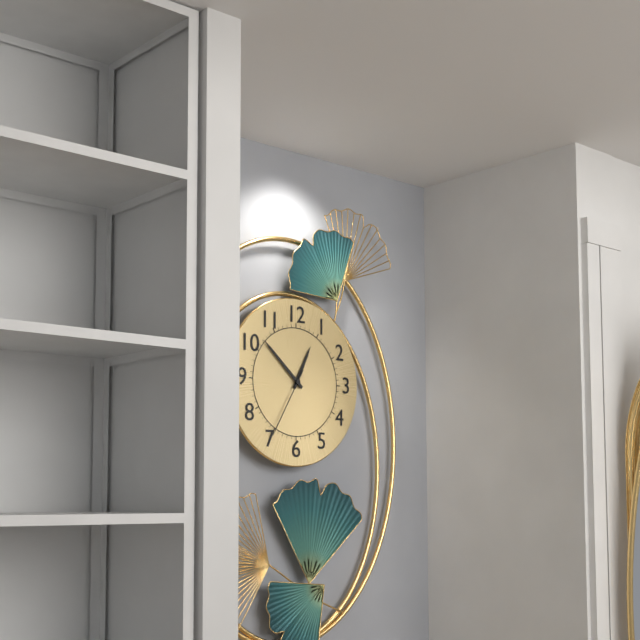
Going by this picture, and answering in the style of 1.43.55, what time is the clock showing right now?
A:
12.52.35
